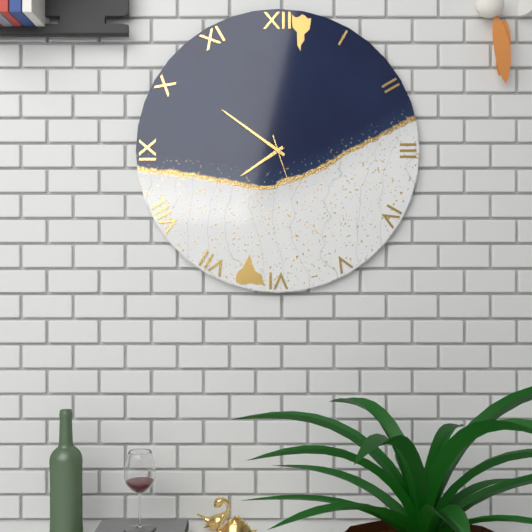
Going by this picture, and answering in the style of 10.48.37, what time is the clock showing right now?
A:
7.51.27
